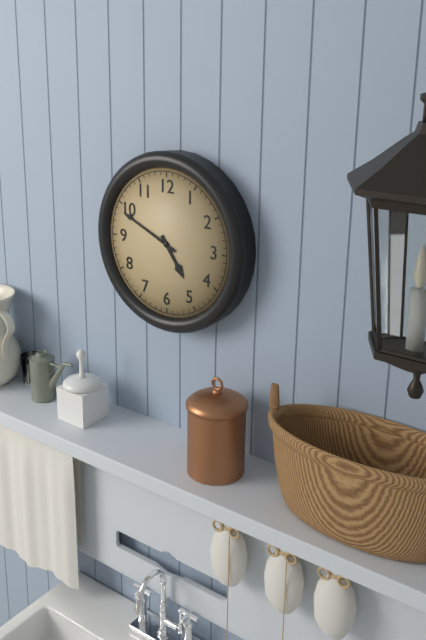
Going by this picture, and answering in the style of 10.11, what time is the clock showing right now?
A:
4.49
